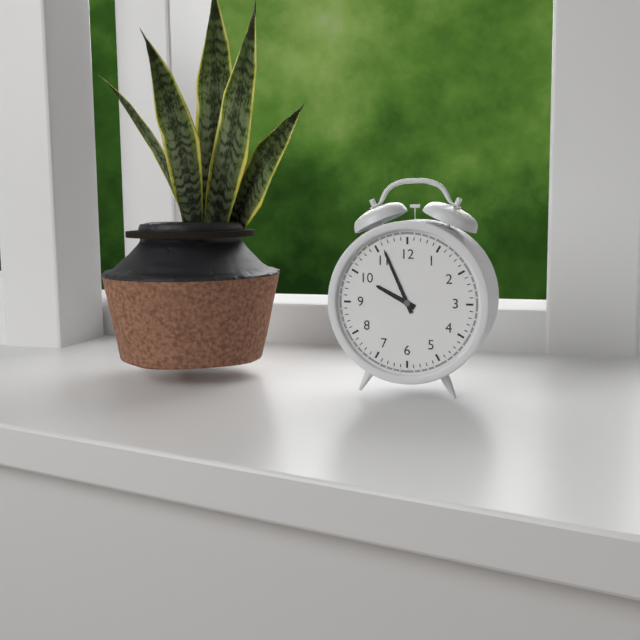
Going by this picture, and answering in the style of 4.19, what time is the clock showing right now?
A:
9.56
